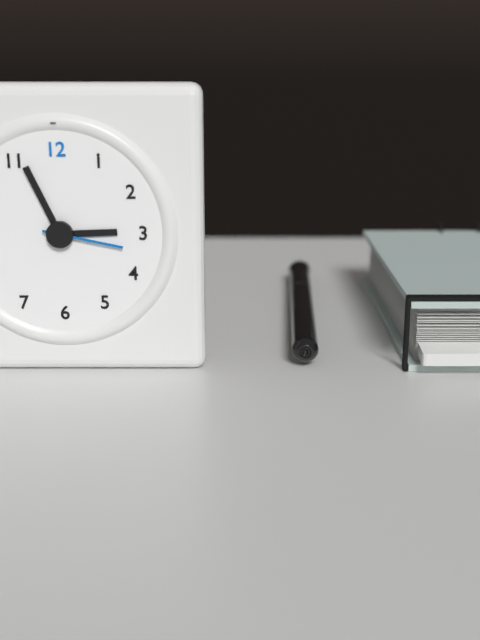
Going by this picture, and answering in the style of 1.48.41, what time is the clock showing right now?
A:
2.56.17
